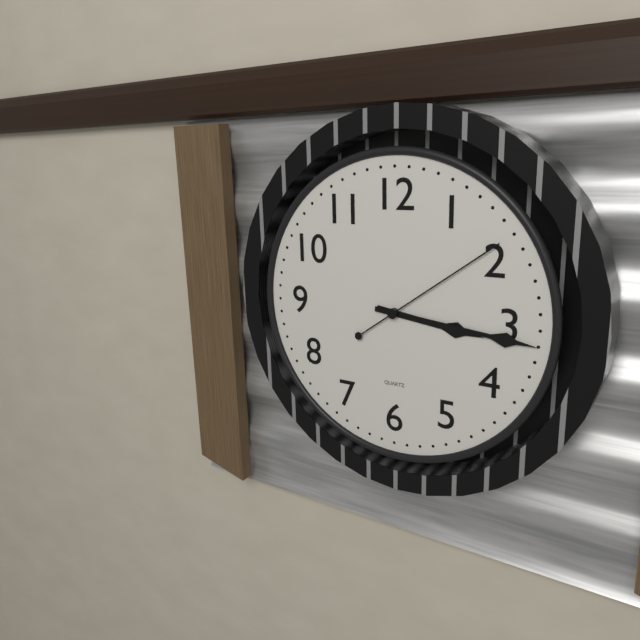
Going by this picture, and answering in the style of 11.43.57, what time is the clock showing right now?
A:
3.16.09
